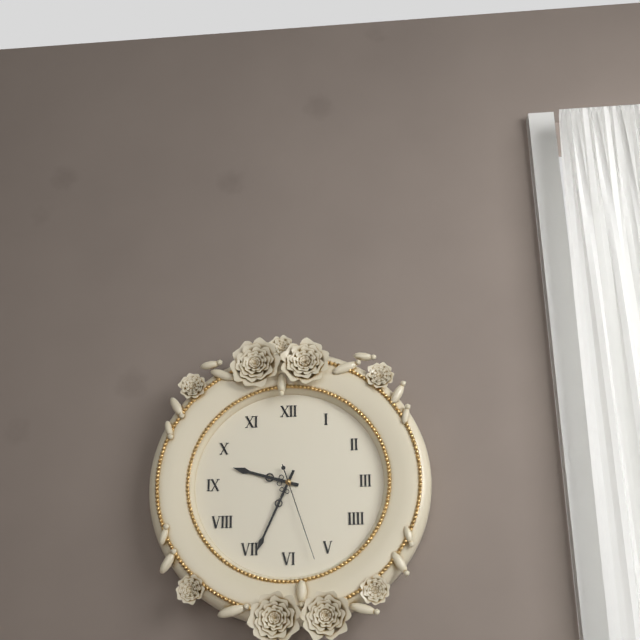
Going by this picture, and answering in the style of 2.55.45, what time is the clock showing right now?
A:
9.34.27
